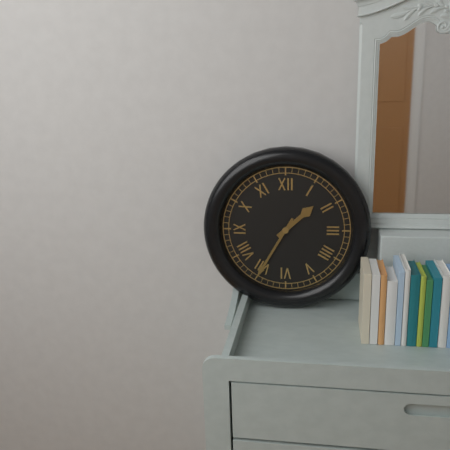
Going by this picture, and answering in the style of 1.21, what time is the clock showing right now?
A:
1.35
